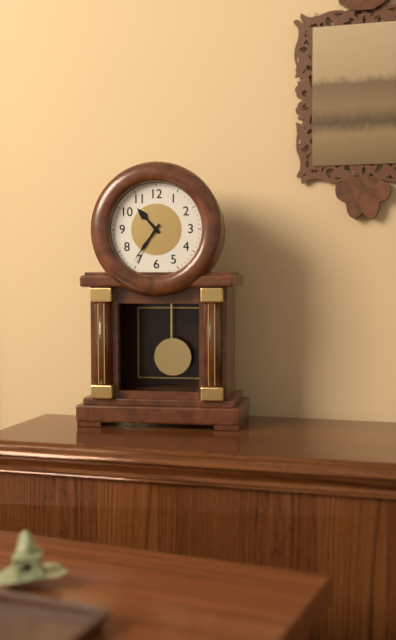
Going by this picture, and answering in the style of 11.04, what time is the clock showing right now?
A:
10.36
